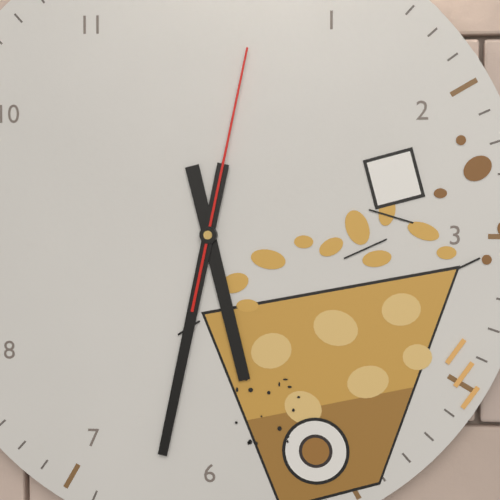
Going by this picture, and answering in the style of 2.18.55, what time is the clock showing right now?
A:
5.32.02
